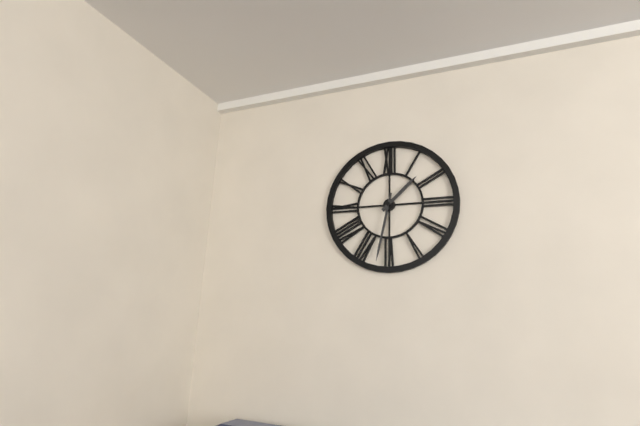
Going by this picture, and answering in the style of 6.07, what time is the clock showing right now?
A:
1.32
